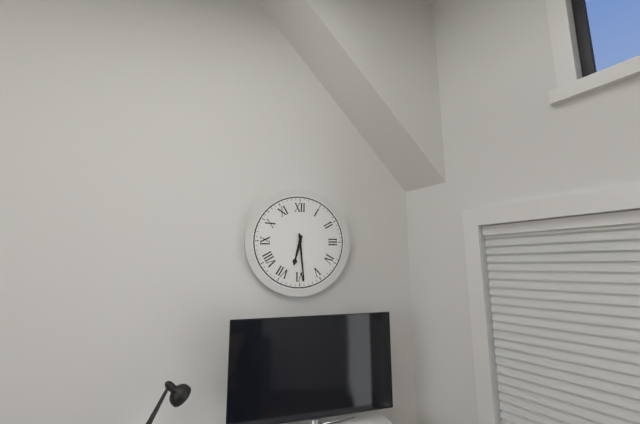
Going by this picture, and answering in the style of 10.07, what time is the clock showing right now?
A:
6.29
